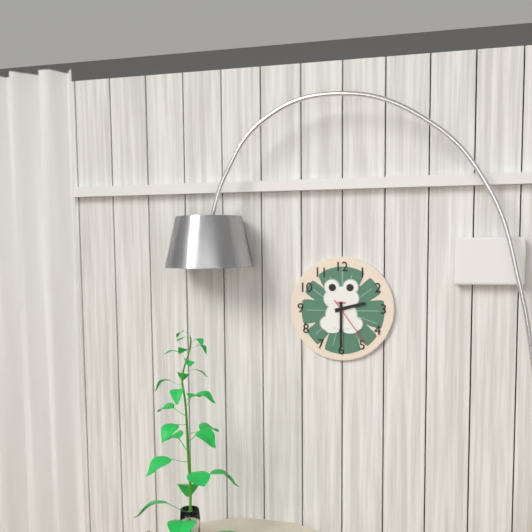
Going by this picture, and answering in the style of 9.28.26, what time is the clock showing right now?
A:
2.30.24
